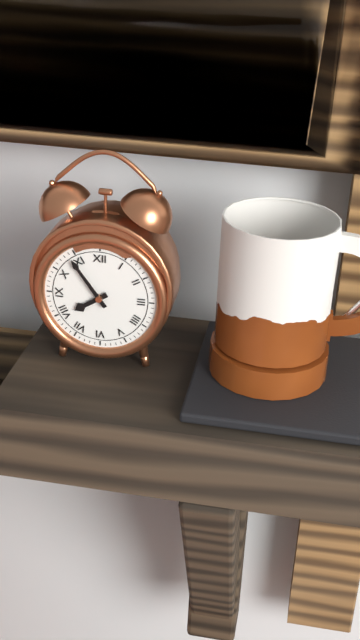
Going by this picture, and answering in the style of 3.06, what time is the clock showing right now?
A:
7.54
